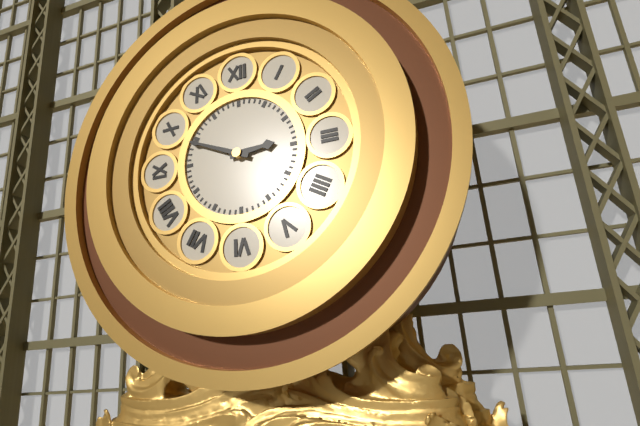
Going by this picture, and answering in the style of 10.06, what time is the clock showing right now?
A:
2.49
